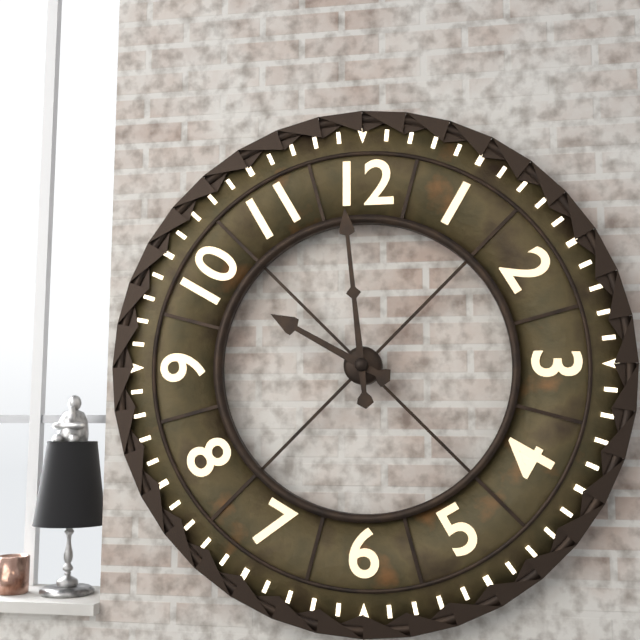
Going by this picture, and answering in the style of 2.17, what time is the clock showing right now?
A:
9.59
